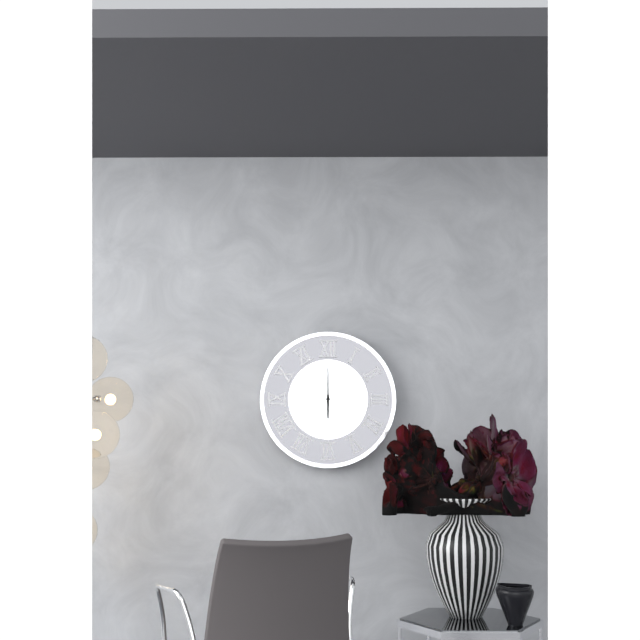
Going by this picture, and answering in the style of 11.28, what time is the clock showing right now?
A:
6.00
